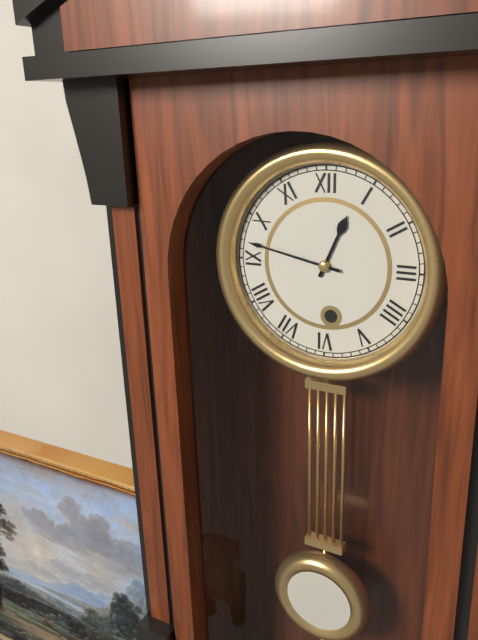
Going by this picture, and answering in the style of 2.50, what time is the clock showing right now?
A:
12.47
